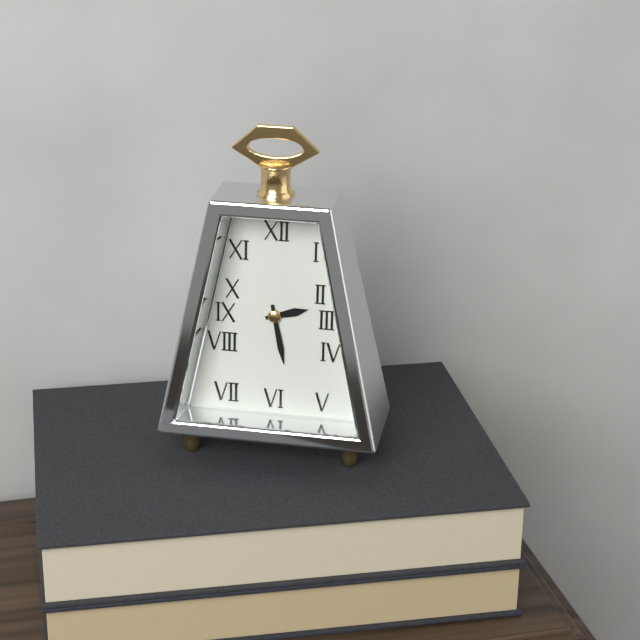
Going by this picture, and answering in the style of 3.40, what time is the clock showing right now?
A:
2.28
